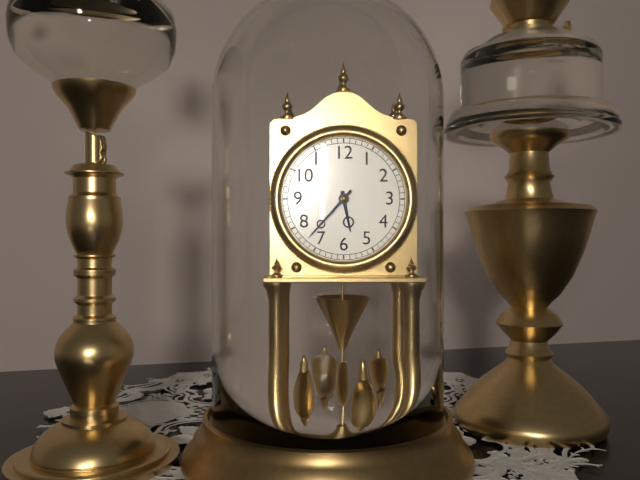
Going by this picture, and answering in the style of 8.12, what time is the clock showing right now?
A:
5.37
